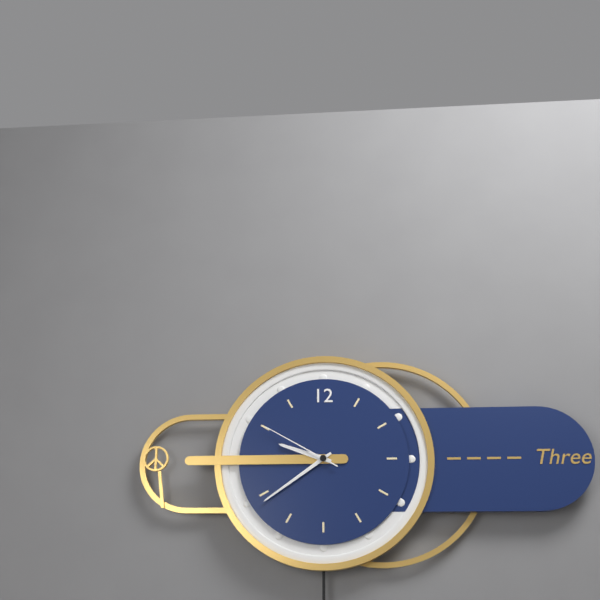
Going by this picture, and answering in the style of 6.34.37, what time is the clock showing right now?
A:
9.39.50
